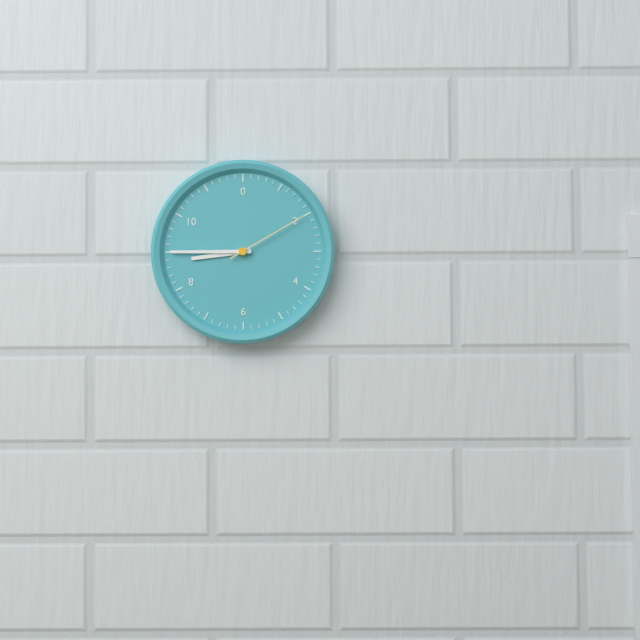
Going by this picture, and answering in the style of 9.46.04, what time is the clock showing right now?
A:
8.45.10
